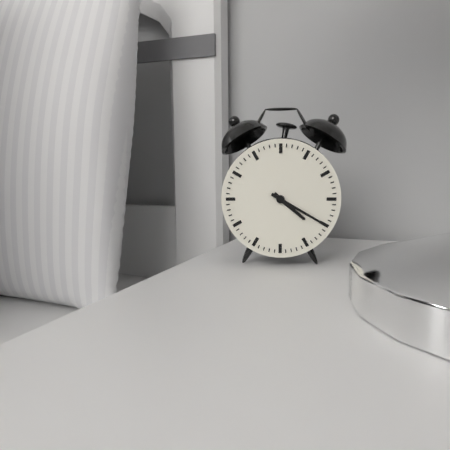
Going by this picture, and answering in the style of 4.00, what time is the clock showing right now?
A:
4.20
